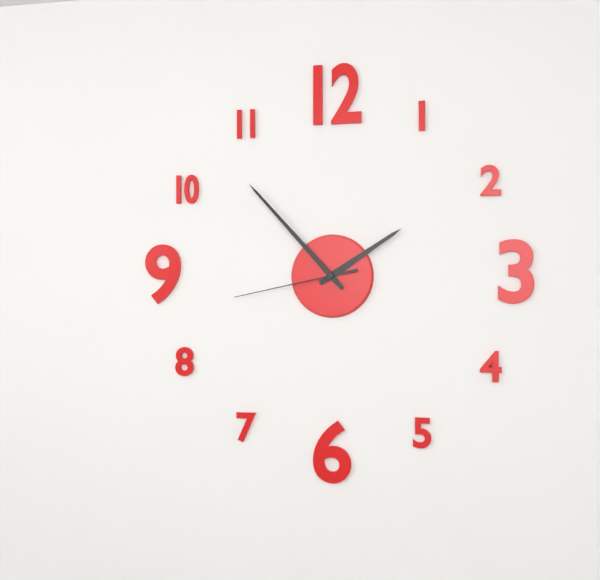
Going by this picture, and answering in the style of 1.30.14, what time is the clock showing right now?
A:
1.53.43
